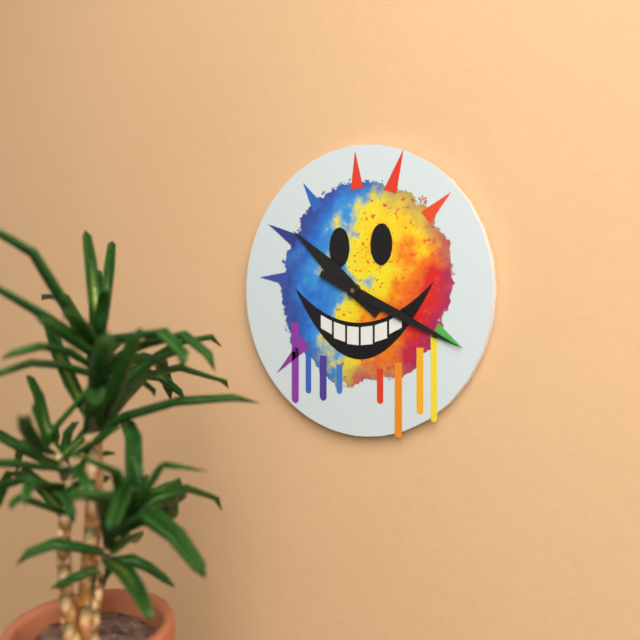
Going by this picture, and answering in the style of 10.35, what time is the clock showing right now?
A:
10.19
